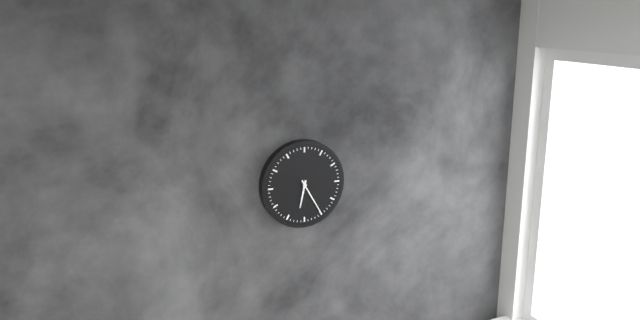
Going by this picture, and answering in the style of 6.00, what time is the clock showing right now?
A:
6.25
